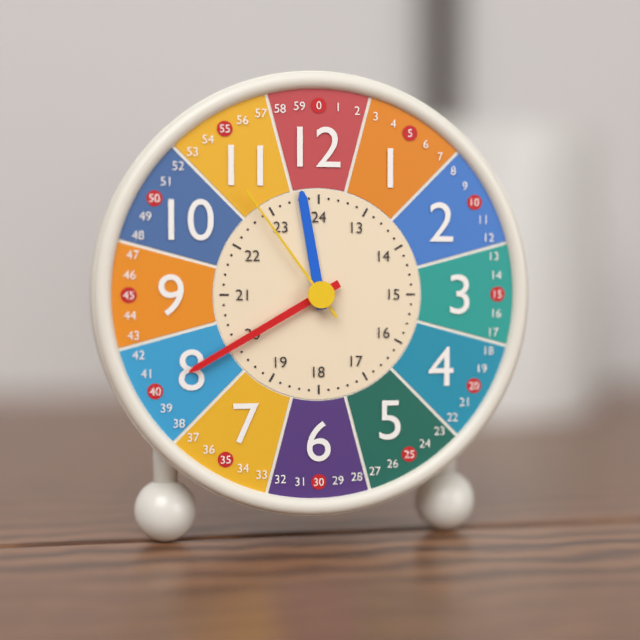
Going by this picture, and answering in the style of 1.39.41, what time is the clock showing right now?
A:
11.40.54
